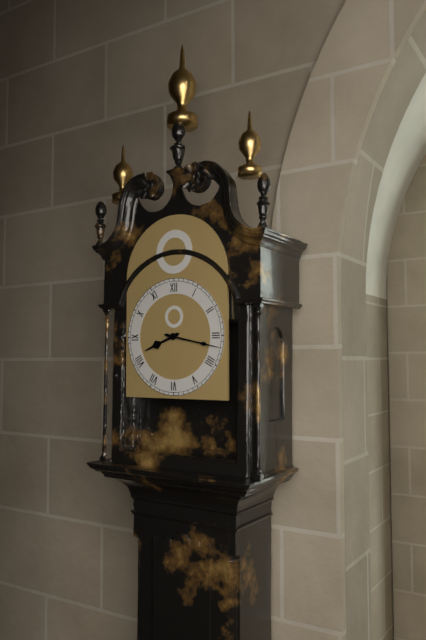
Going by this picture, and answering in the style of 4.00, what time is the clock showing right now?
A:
8.17
